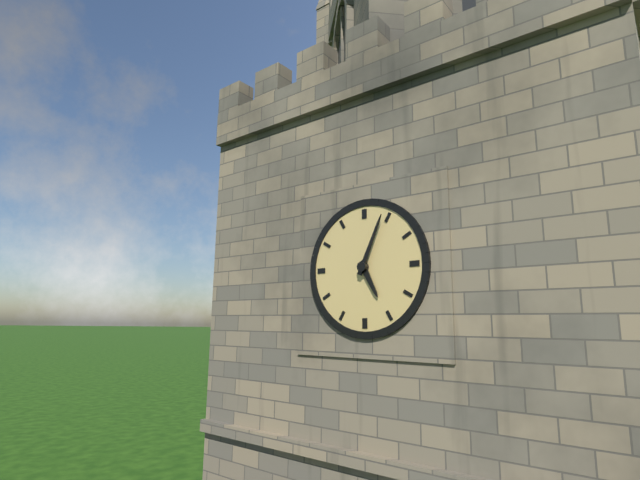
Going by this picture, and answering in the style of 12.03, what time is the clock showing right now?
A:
5.04
